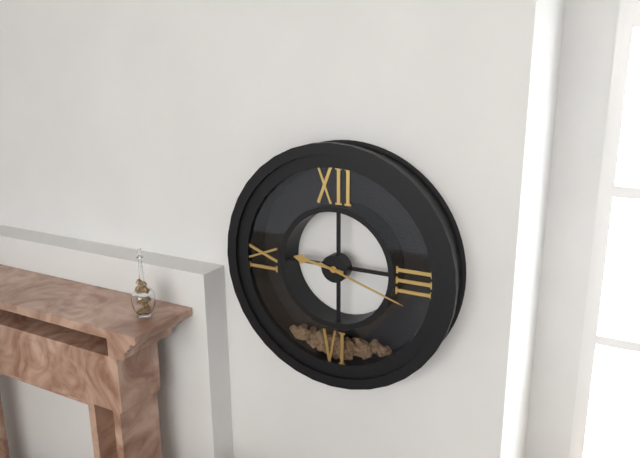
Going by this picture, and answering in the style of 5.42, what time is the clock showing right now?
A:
9.18
